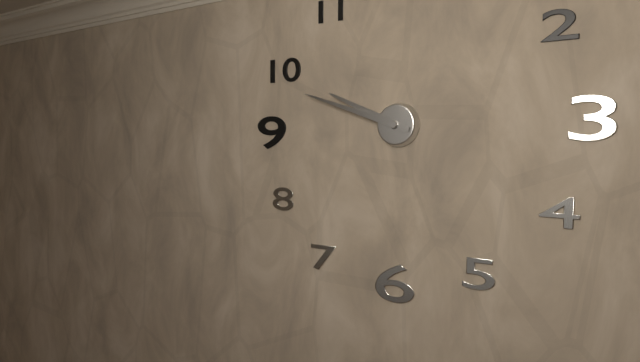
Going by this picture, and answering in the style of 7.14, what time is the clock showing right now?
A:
9.48
